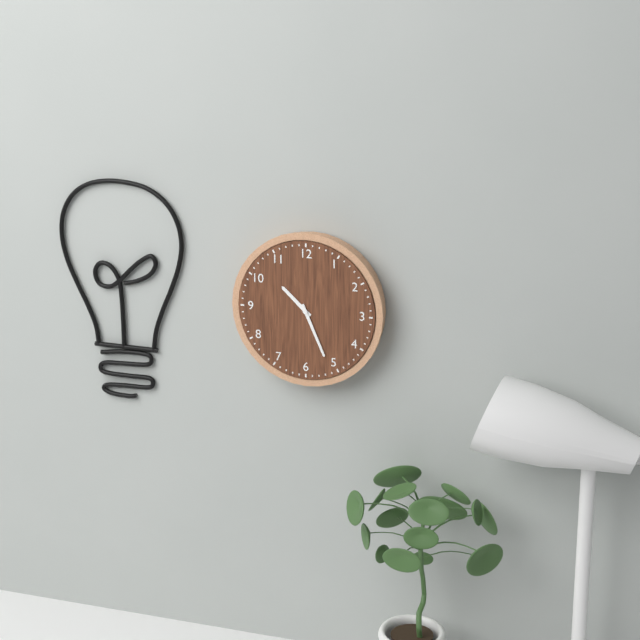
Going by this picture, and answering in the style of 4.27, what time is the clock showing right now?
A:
10.26
